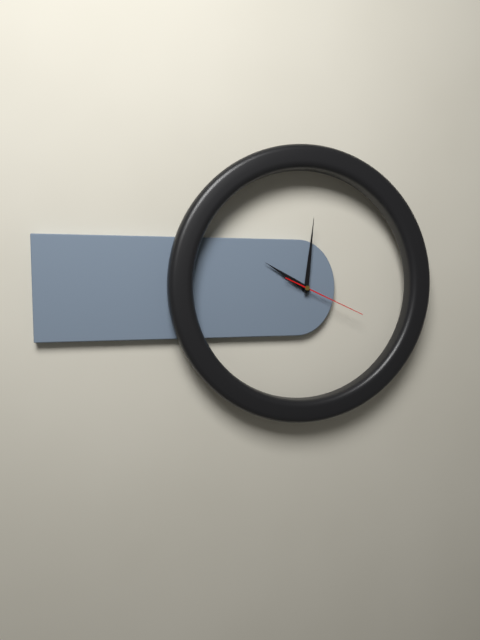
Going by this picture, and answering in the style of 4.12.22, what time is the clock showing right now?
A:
10.01.19
